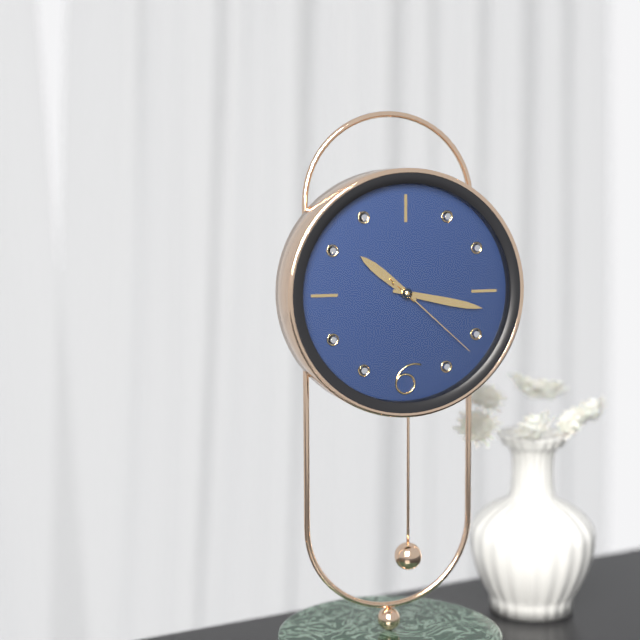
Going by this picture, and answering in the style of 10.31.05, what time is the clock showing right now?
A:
10.17.22
